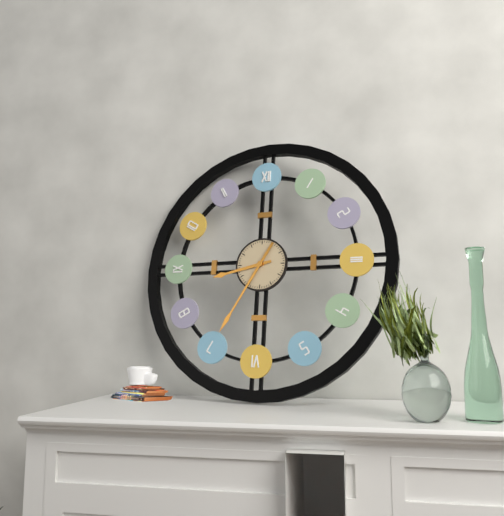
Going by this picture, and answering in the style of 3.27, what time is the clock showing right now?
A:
8.35
